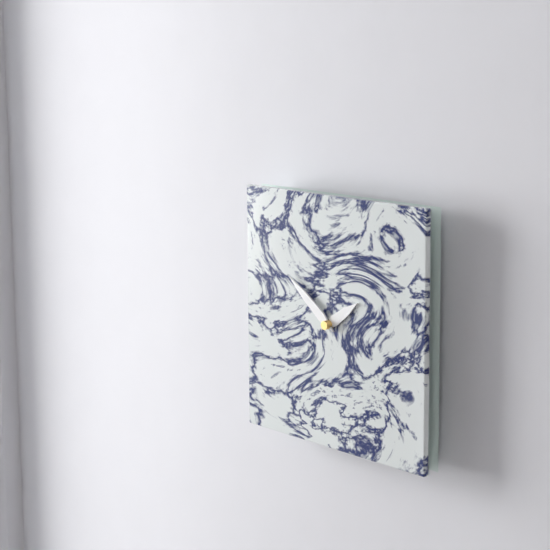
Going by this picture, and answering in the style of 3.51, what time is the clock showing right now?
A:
1.51
